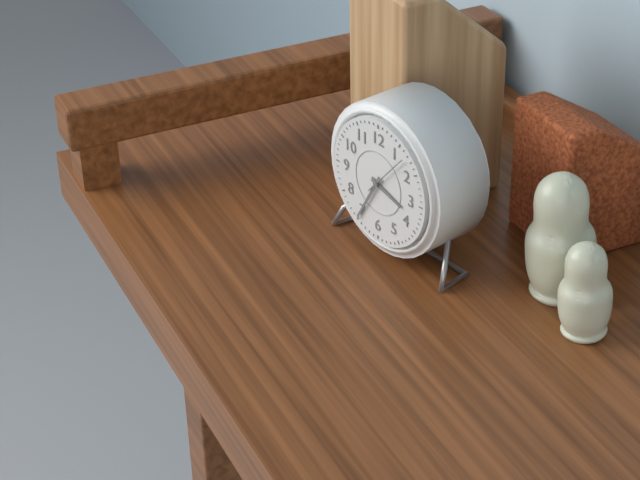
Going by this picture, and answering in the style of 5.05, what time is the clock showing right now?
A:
3.35
